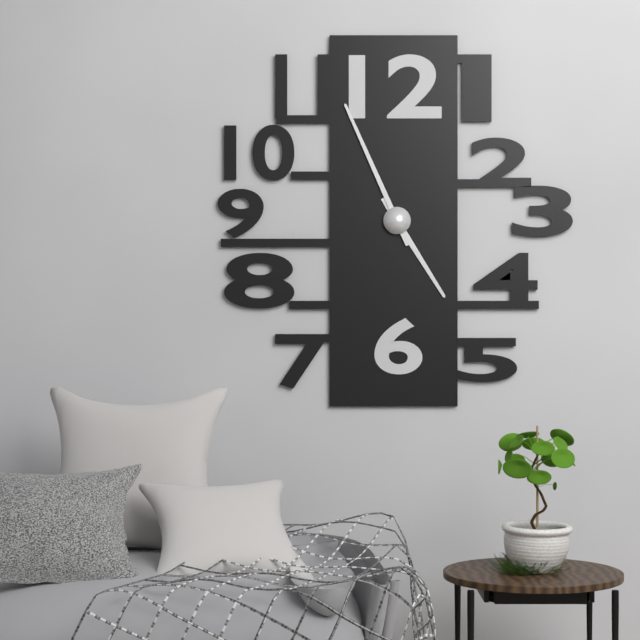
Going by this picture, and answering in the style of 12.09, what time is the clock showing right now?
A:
4.56
